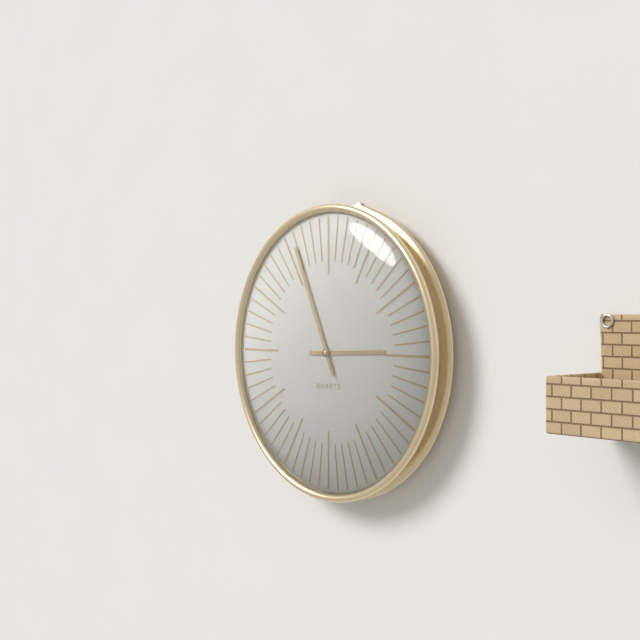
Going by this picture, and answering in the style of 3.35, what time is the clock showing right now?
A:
2.56
